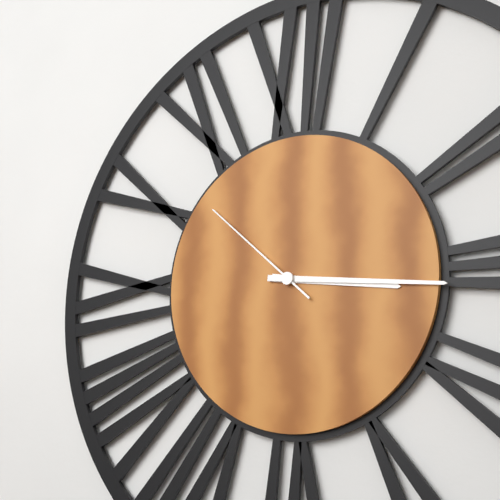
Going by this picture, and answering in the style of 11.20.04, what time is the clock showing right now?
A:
3.16.52
